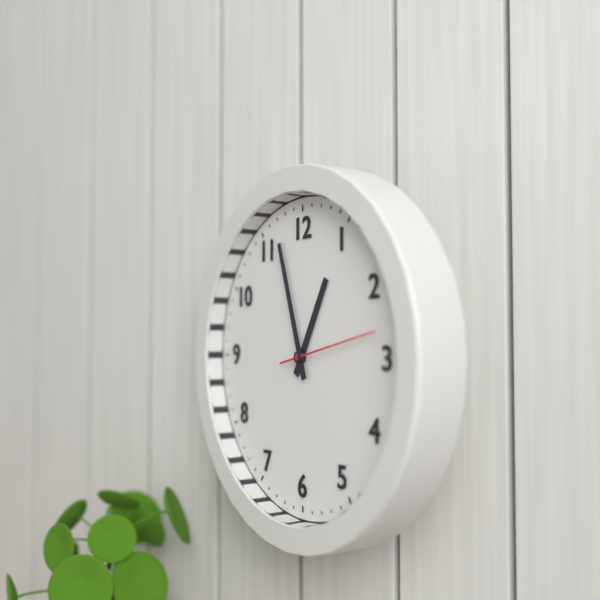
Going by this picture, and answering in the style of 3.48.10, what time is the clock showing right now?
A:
12.57.13
